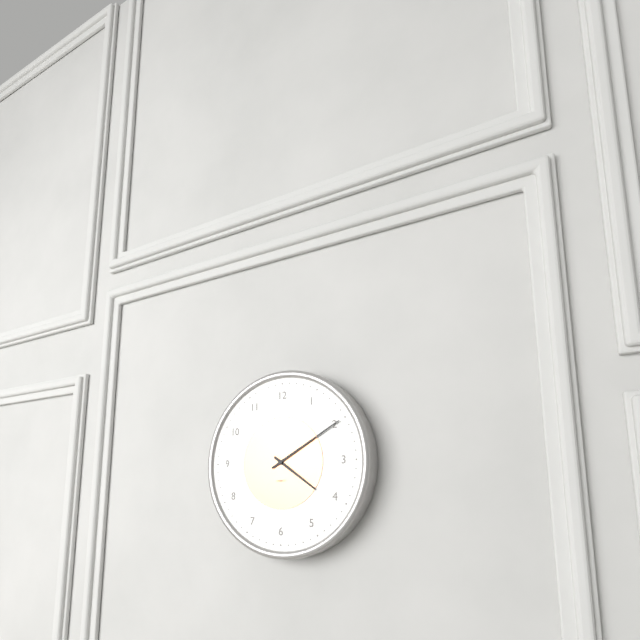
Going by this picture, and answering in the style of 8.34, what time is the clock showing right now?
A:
4.10
